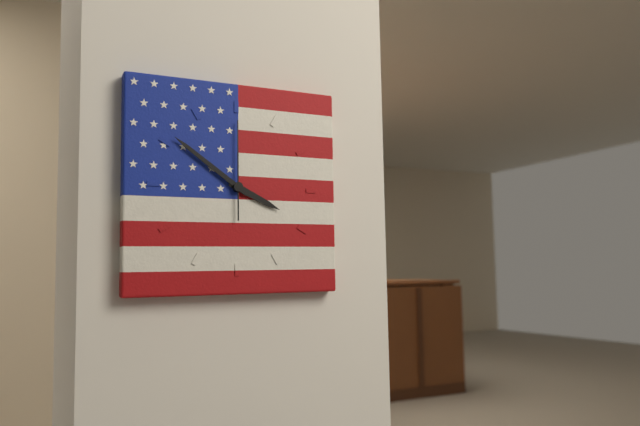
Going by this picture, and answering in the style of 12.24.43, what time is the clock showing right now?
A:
3.51.00
